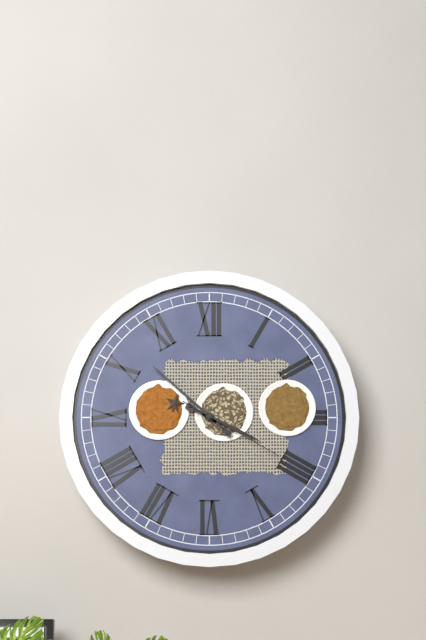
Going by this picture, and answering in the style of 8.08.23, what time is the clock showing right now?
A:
3.52.20
